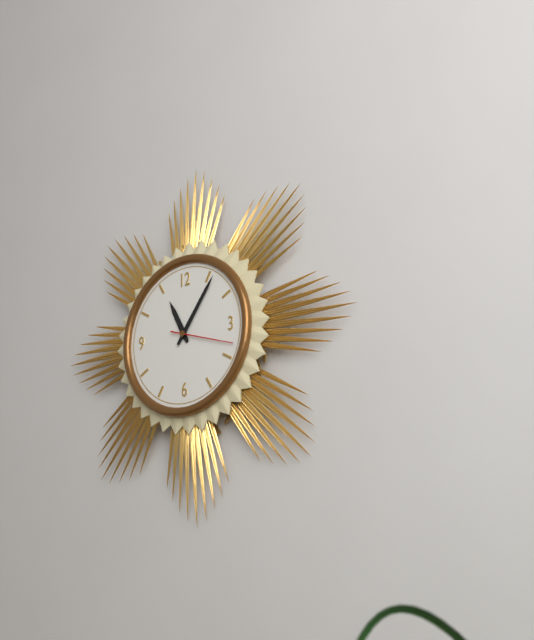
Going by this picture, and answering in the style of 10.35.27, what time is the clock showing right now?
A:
11.06.18
